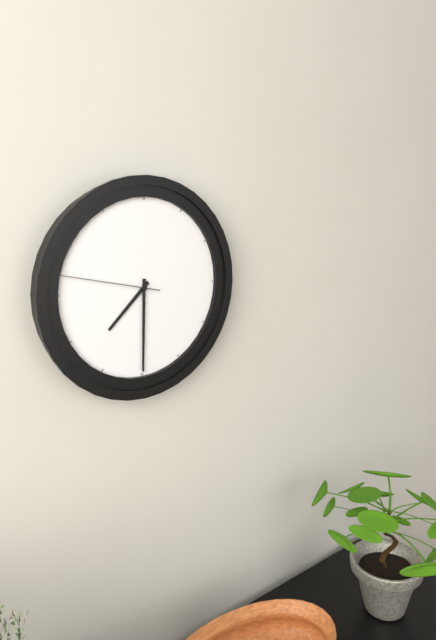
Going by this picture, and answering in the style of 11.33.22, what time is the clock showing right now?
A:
7.30.47
